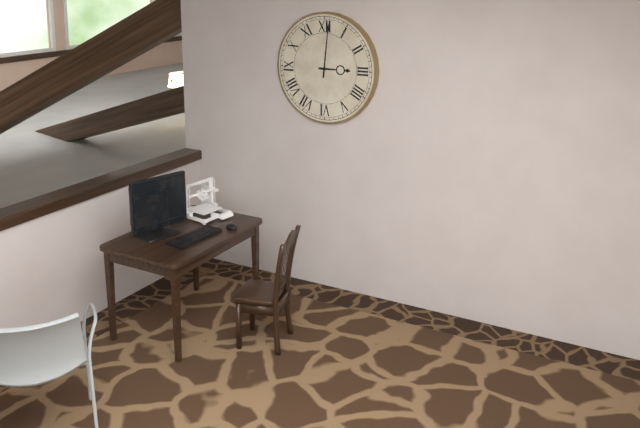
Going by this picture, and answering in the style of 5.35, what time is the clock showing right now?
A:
3.01
